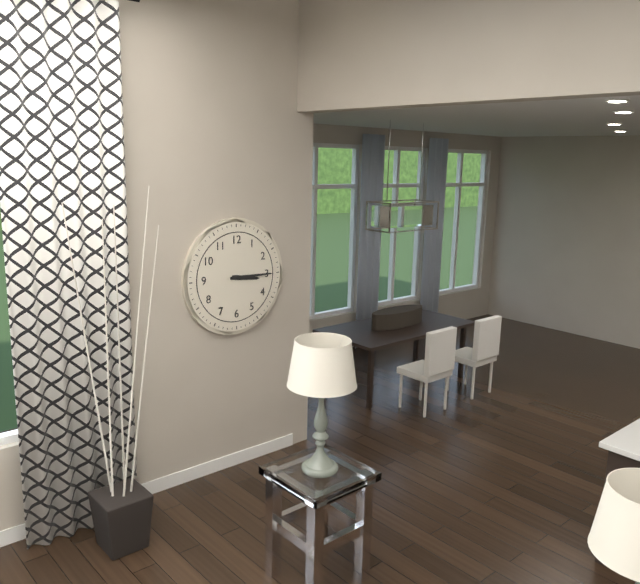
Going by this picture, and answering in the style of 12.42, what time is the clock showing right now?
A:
3.15
